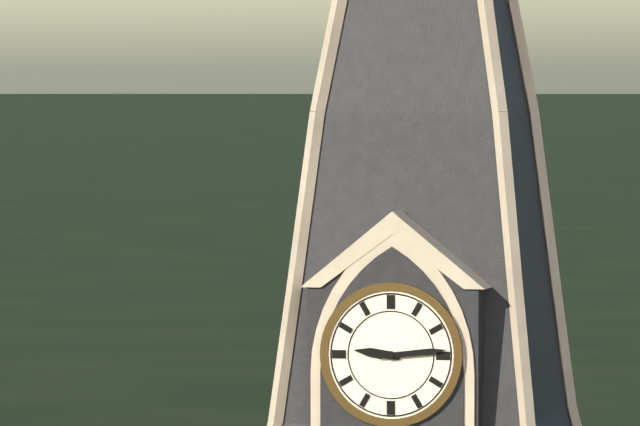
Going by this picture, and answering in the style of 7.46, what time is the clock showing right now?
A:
9.14
